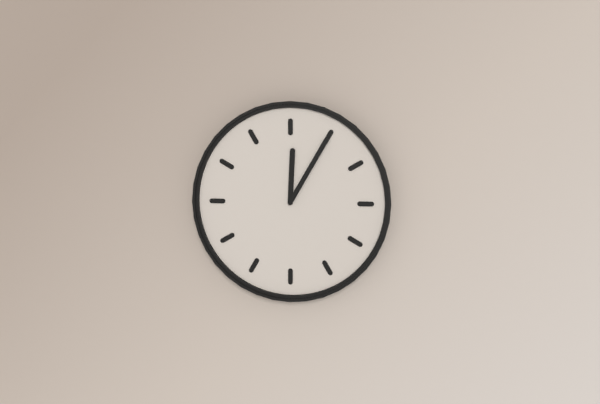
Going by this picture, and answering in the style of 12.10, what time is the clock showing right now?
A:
12.05
